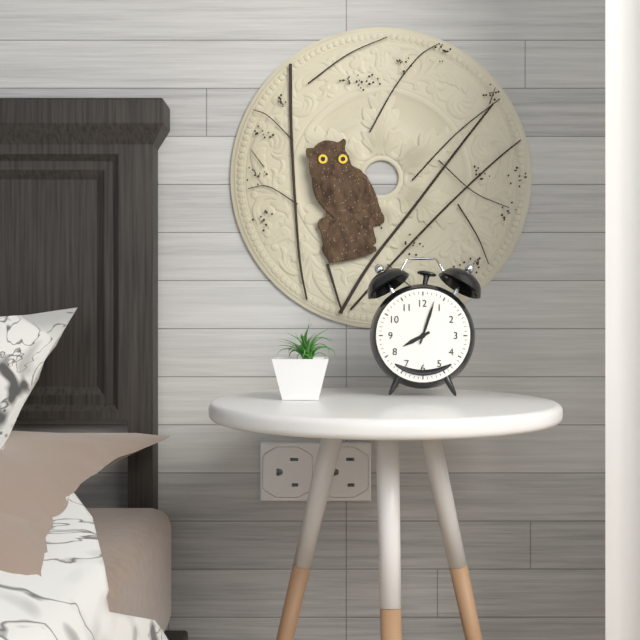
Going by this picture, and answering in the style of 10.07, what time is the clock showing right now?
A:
8.03
